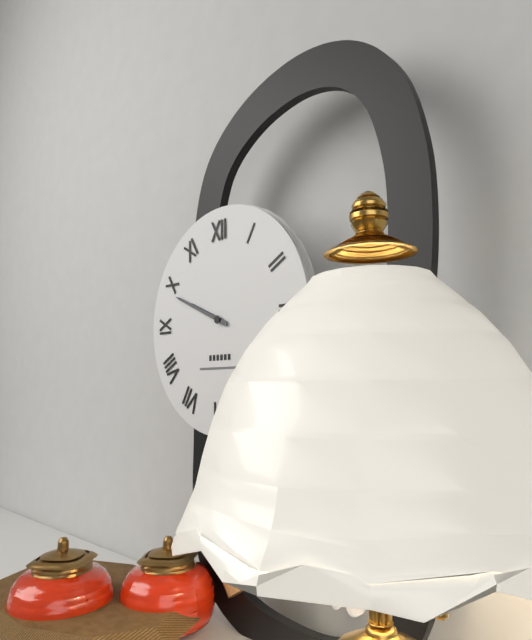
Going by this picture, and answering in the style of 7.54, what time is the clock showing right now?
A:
9.49
